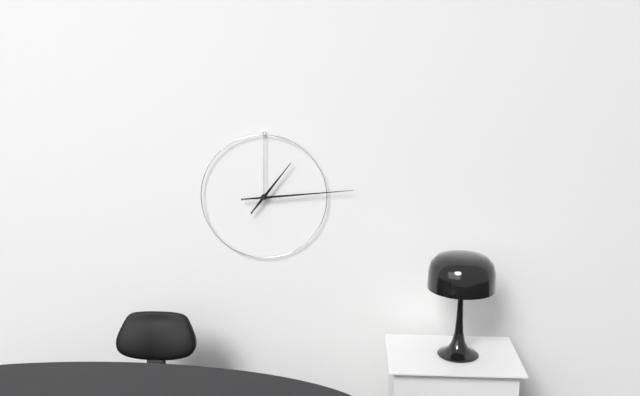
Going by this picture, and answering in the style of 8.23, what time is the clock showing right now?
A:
1.14
